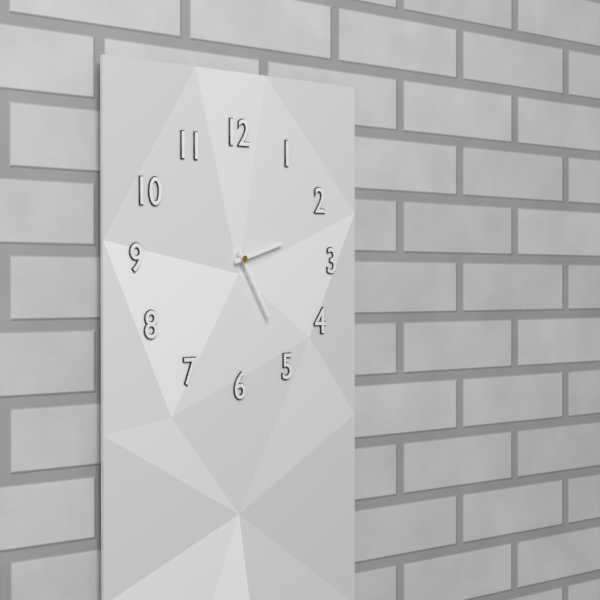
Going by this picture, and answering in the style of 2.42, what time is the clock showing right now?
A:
2.25
